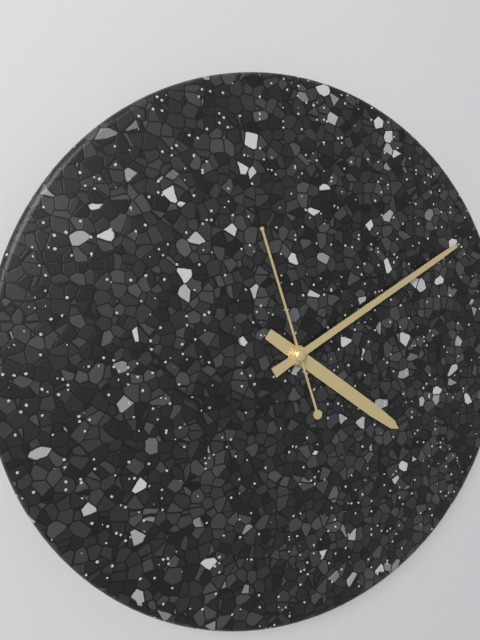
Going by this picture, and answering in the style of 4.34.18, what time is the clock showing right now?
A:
4.10.57
